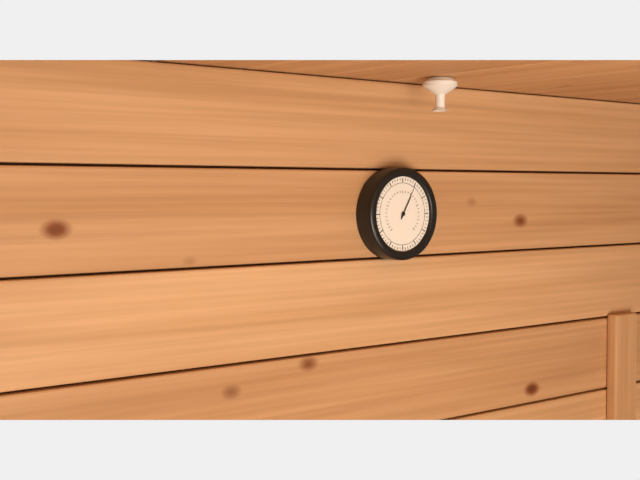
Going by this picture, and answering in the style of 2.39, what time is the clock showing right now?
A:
1.05
